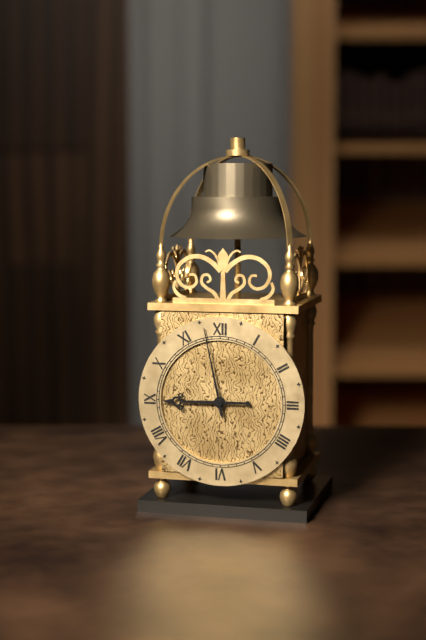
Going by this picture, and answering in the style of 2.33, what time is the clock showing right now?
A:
8.58
